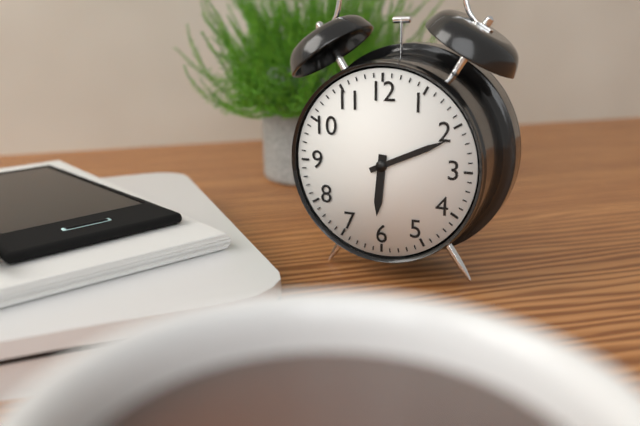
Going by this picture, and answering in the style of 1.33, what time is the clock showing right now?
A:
6.11
